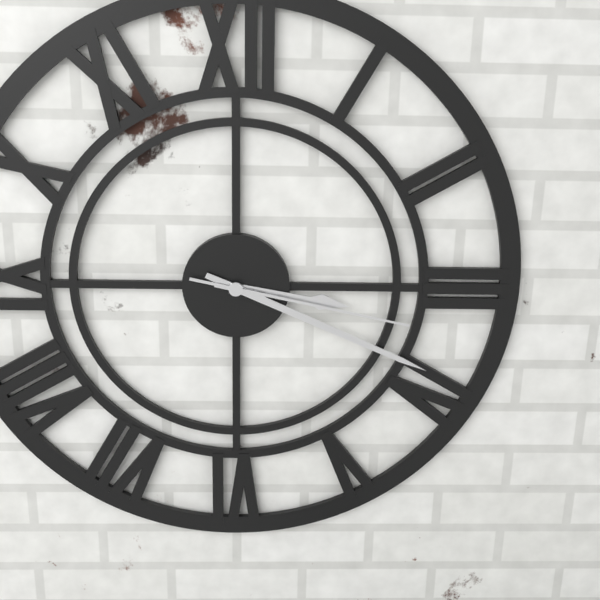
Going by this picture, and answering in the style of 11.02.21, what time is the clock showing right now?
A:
3.19.17
